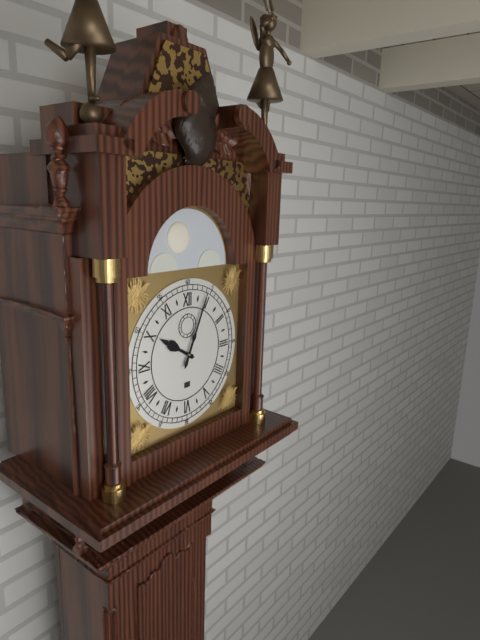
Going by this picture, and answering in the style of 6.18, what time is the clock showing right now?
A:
10.04
